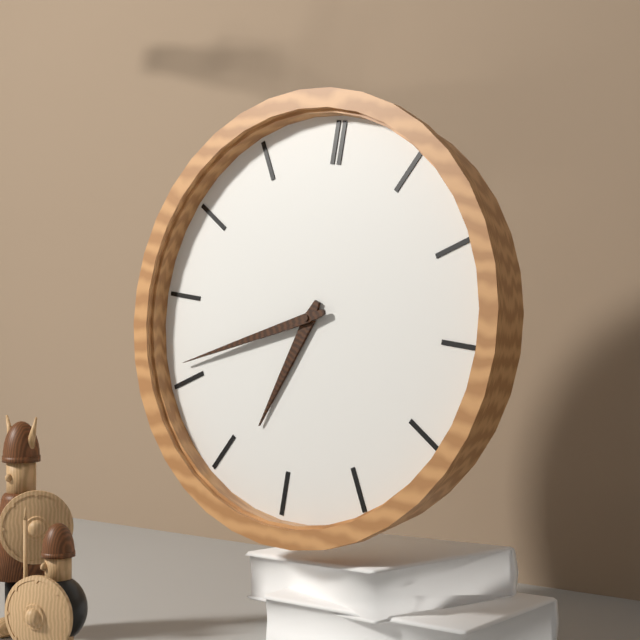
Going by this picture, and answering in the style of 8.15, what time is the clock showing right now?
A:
6.41
